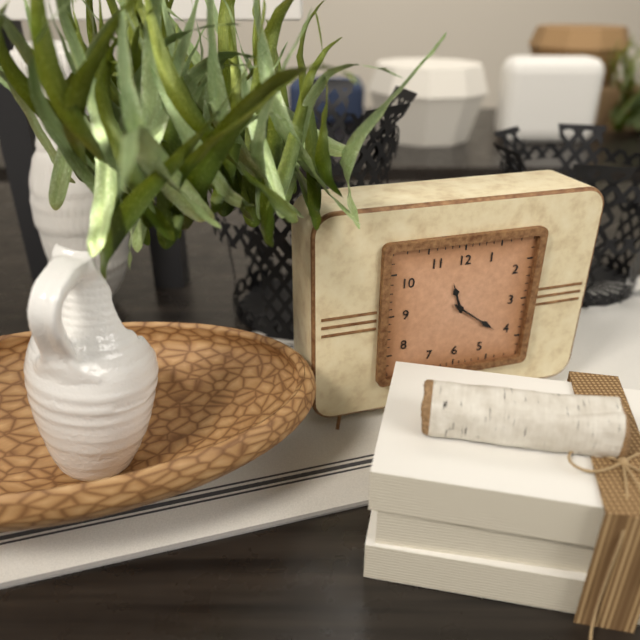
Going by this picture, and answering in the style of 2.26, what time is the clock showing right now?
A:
11.21
